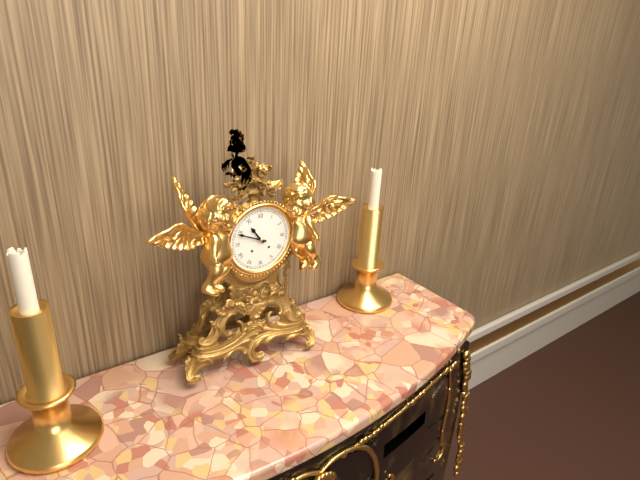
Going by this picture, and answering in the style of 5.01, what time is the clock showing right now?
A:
10.49
